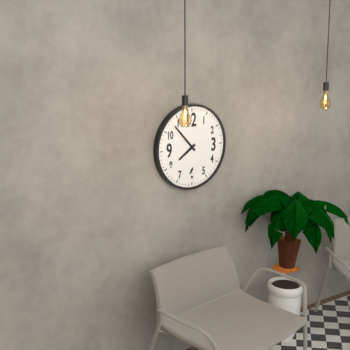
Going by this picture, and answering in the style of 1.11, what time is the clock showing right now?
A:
7.53
